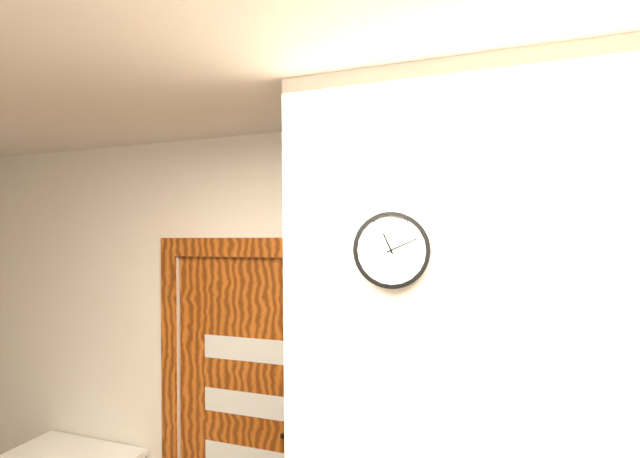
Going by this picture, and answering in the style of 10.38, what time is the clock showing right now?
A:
11.11
